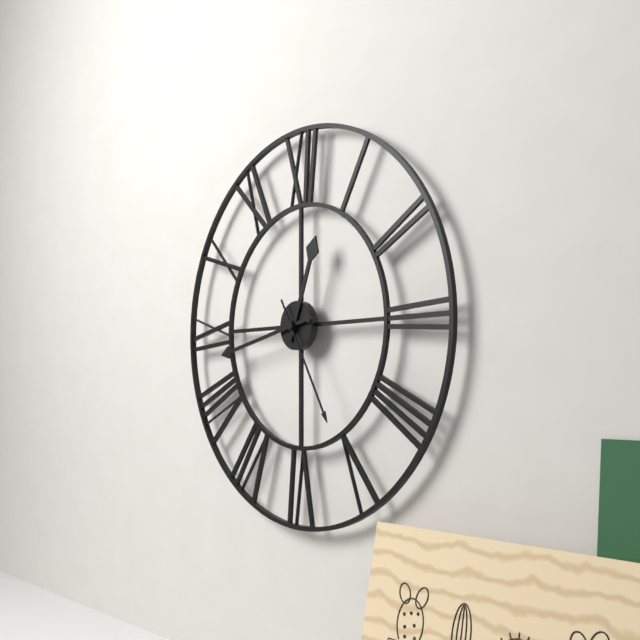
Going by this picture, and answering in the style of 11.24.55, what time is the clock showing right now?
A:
12.43.25
